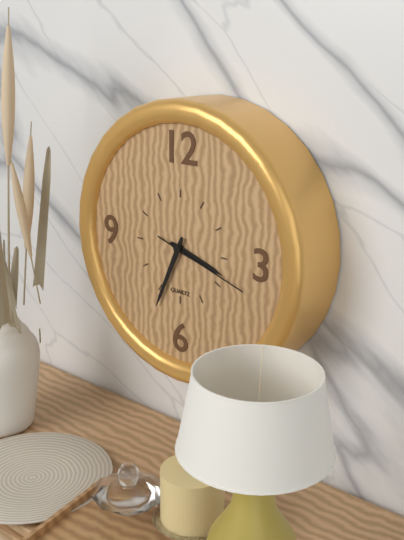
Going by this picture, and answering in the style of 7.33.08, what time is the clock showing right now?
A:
3.34.18
